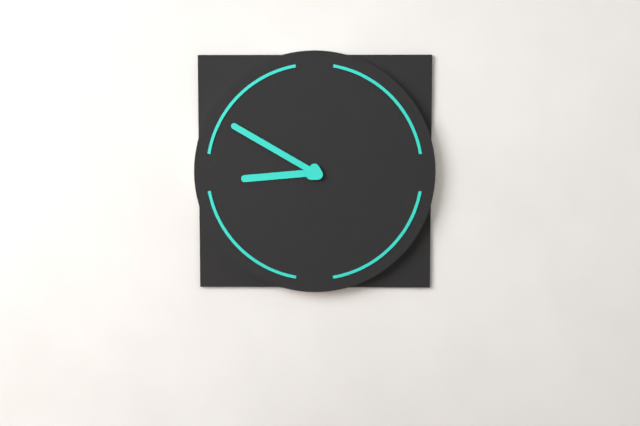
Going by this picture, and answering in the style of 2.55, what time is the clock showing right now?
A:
8.50
